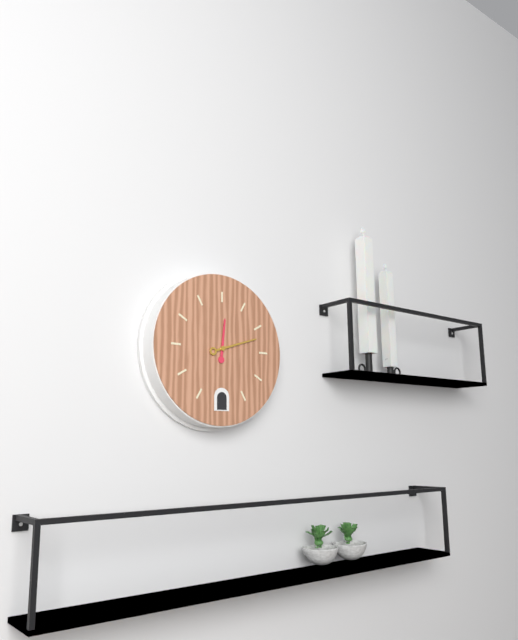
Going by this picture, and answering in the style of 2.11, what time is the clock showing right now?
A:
12.12
